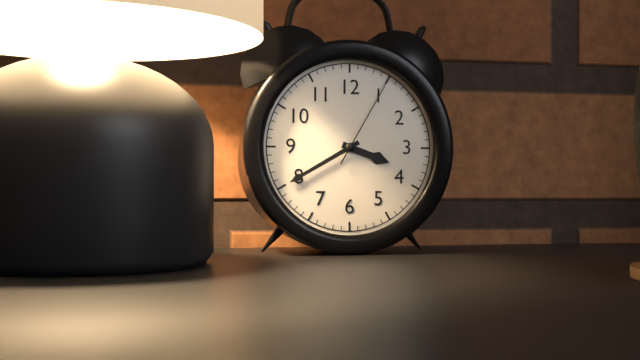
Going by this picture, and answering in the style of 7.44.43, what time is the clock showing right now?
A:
3.40.05
